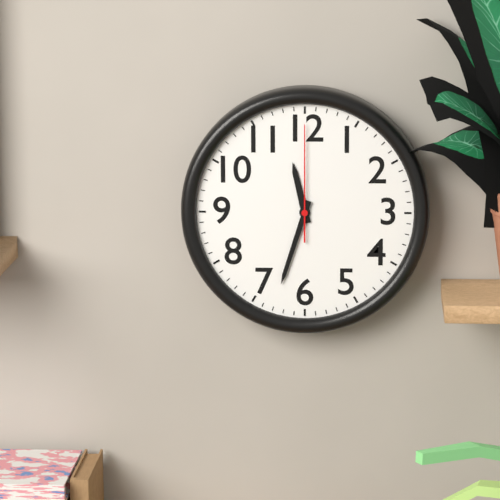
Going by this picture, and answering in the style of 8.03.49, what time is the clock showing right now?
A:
11.33.00
